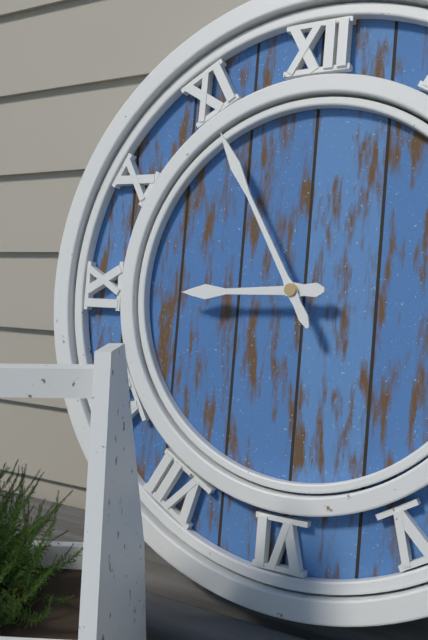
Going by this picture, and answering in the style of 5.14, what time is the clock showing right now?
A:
8.55
